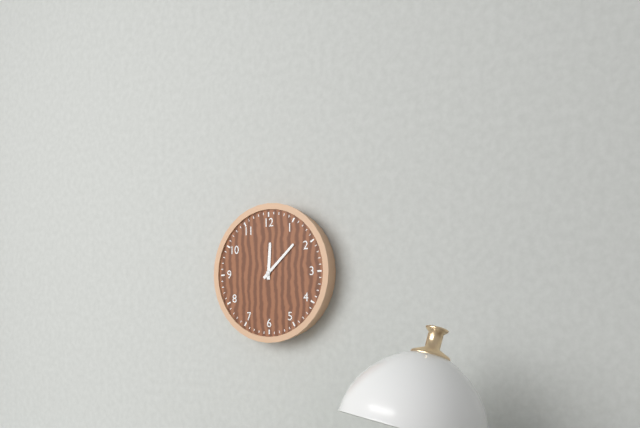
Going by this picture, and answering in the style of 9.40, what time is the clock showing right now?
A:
12.08
